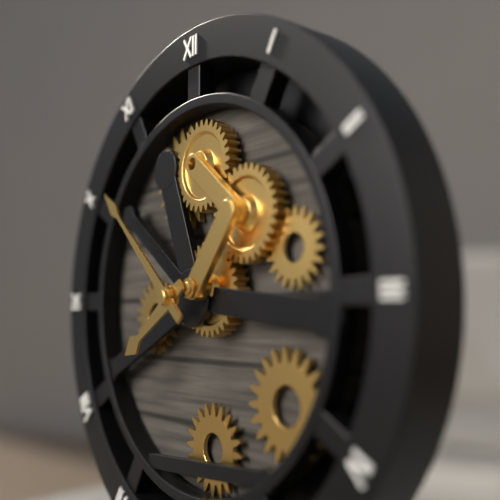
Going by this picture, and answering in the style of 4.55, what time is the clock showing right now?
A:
7.52
